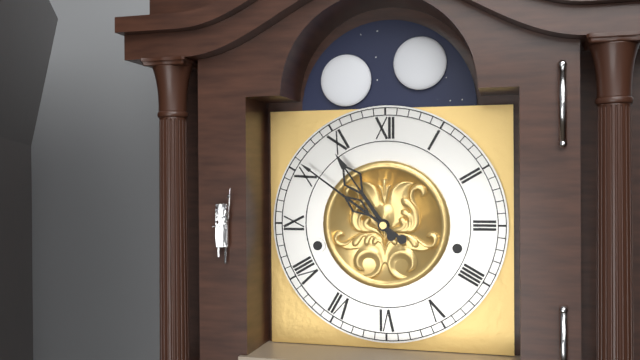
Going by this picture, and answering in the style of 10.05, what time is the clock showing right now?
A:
10.51
